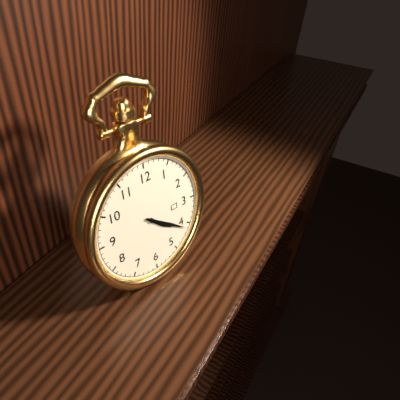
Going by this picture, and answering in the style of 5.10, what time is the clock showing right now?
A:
4.21
